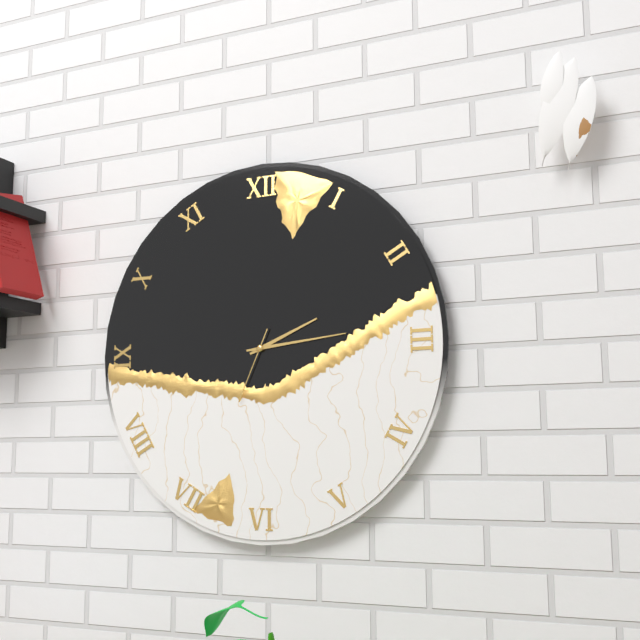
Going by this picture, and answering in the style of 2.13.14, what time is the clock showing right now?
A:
2.14.34
